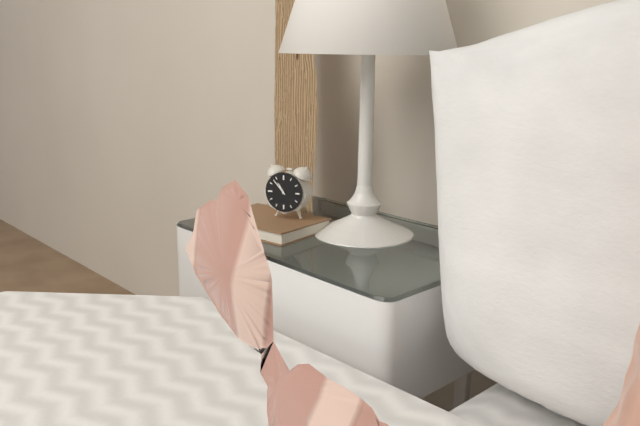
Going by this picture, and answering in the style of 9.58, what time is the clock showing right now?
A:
10.53
